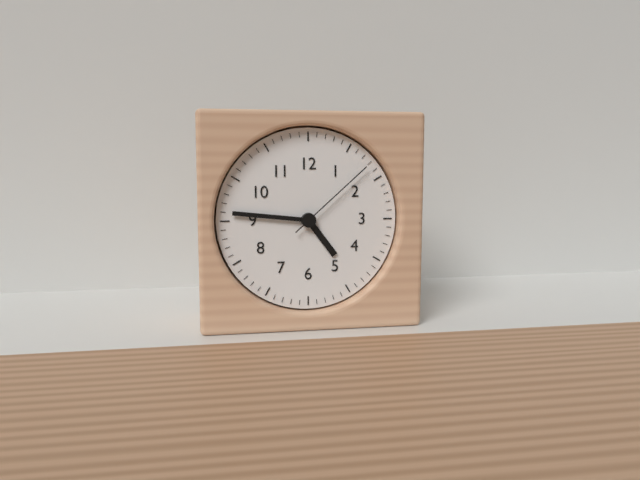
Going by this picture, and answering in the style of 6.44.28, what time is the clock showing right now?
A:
4.46.08
